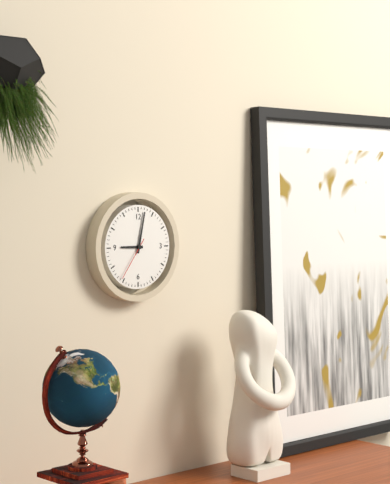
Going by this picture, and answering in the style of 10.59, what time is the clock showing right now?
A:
9.02
